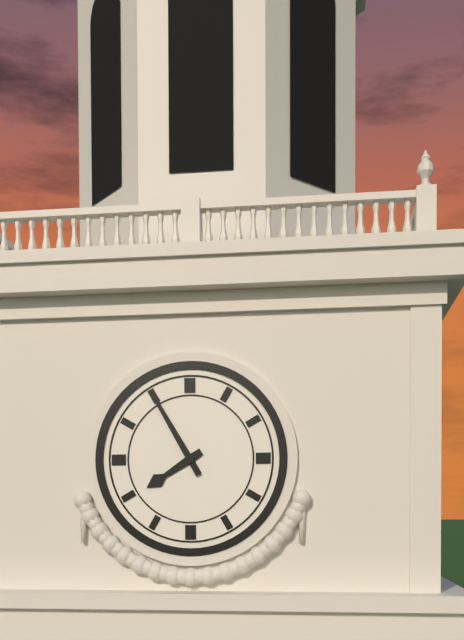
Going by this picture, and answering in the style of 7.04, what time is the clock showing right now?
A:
7.55
